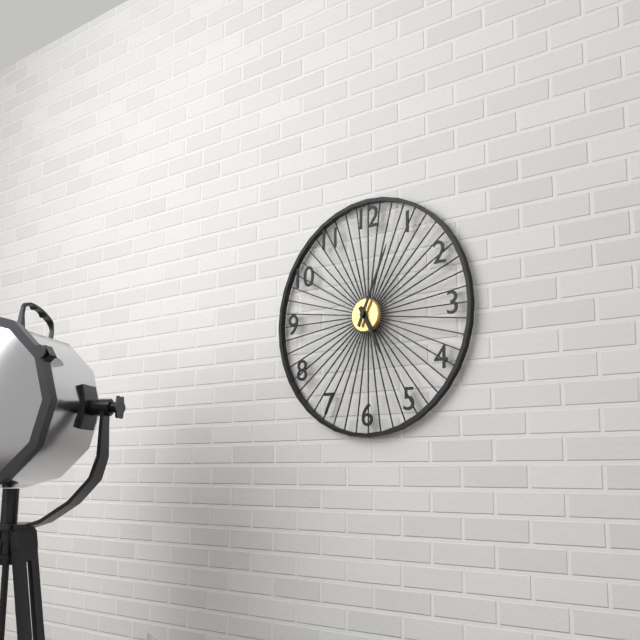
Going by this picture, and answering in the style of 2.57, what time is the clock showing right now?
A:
5.04
